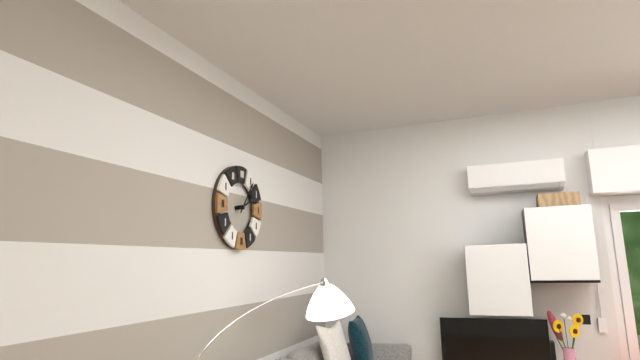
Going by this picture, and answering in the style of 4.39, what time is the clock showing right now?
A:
2.06
